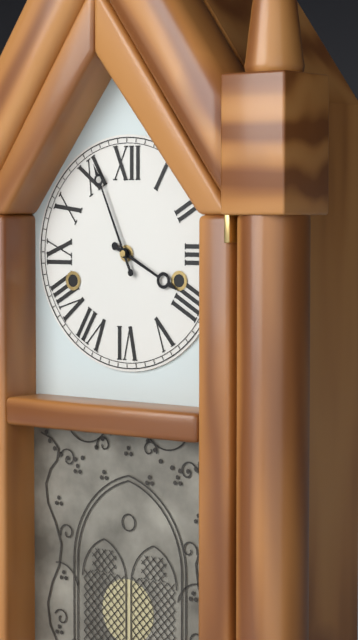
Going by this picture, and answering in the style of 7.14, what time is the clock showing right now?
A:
3.56
